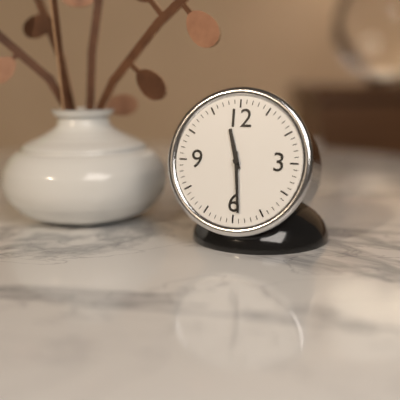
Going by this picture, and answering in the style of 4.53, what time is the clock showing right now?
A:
11.29
